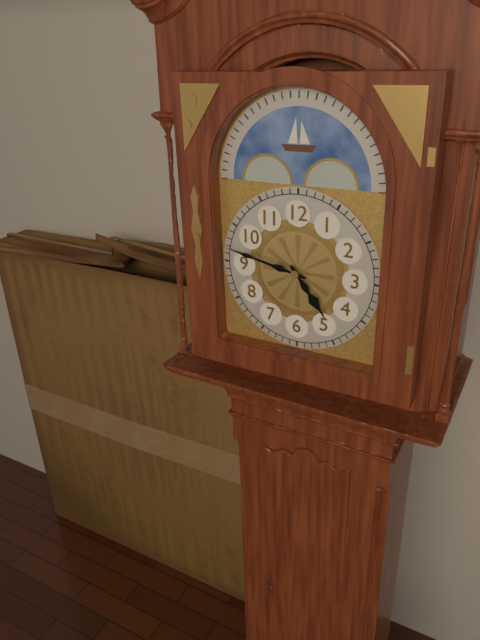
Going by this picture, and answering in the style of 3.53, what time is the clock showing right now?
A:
4.47
